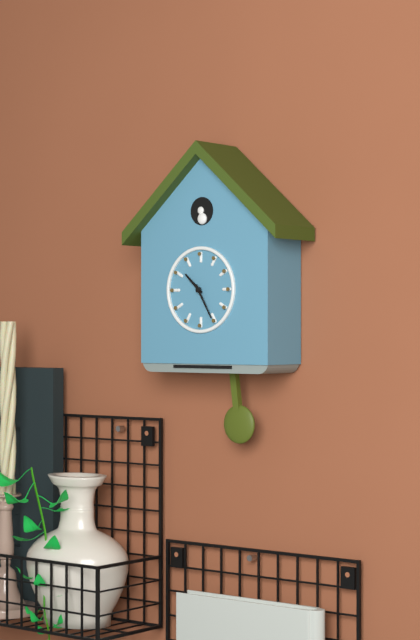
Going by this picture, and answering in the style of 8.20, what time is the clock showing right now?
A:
10.25
